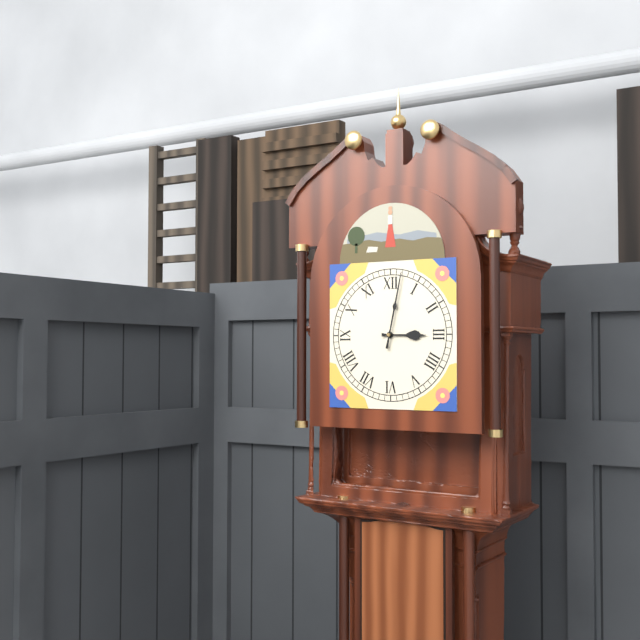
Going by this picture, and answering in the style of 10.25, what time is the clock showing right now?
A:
3.02
